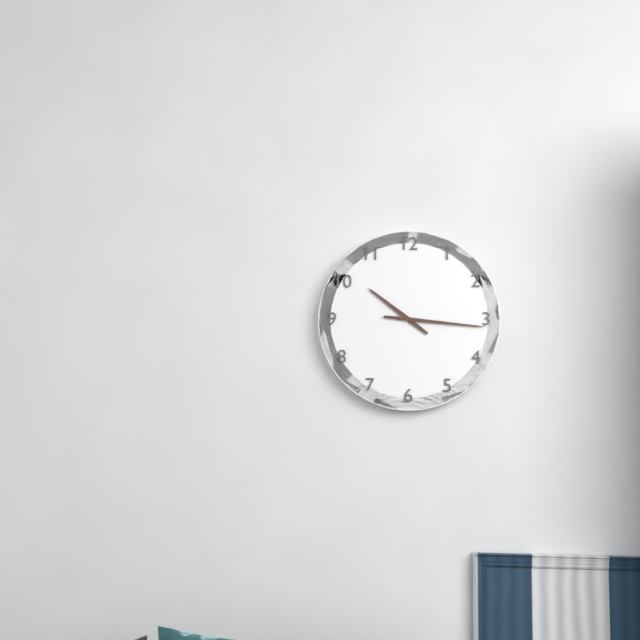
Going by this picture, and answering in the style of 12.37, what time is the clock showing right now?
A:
10.16
